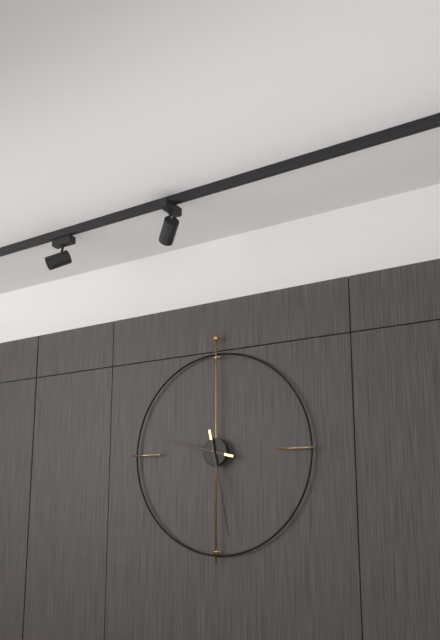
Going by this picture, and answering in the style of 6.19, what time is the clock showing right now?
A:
9.28
